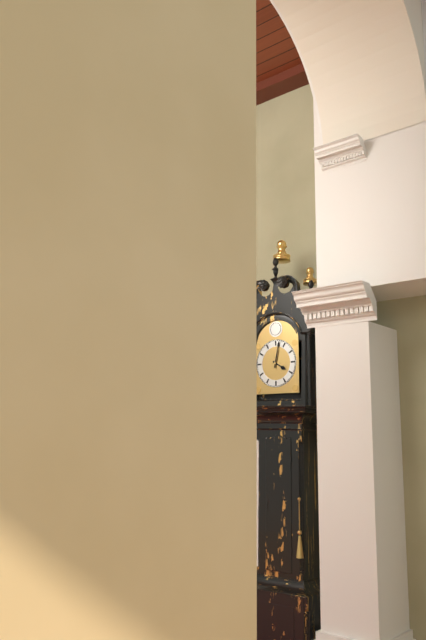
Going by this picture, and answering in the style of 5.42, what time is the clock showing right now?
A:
4.02
